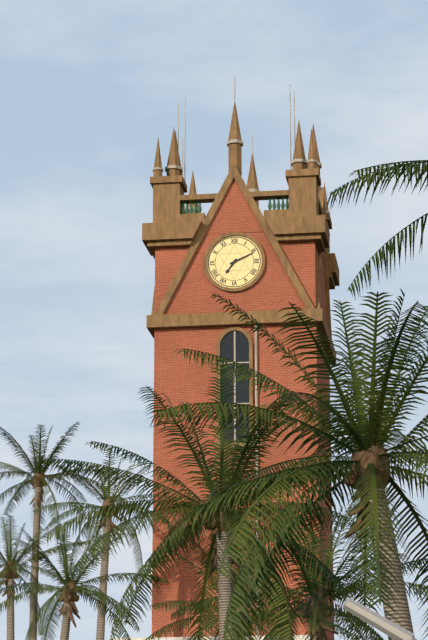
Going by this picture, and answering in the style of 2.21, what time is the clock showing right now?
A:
7.11
